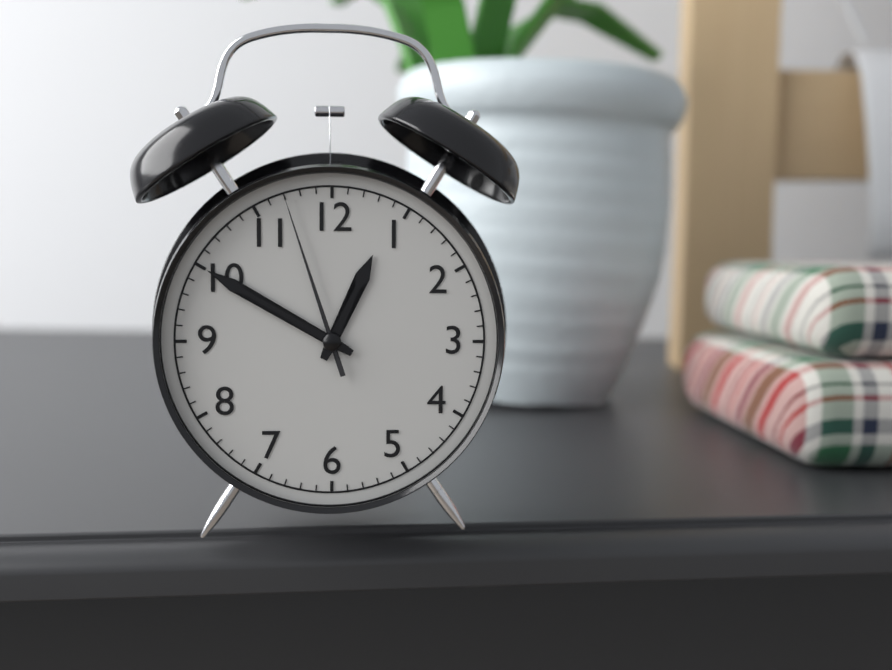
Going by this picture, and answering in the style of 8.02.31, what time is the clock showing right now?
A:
12.50.57
